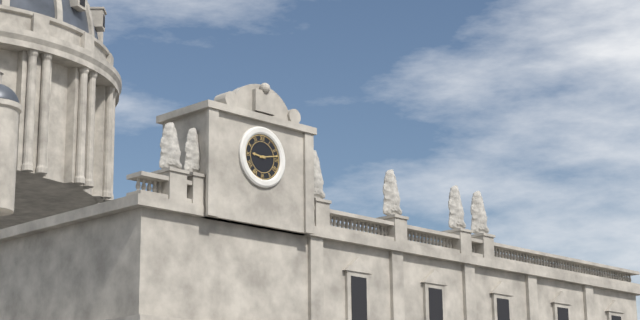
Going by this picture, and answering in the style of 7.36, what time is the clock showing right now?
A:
9.13
